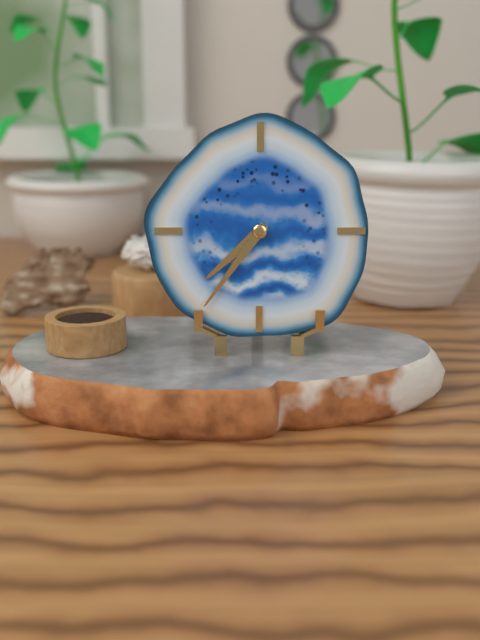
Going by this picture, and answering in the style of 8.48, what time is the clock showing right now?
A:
7.36
